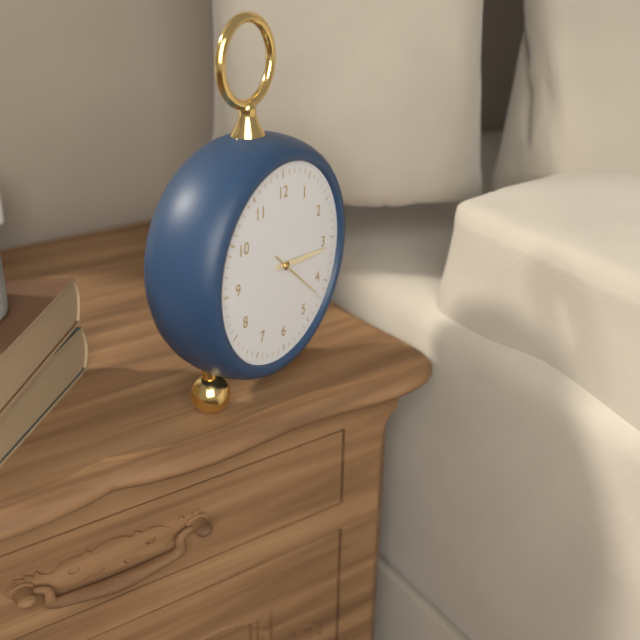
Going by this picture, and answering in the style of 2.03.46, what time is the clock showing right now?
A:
3.16.22
